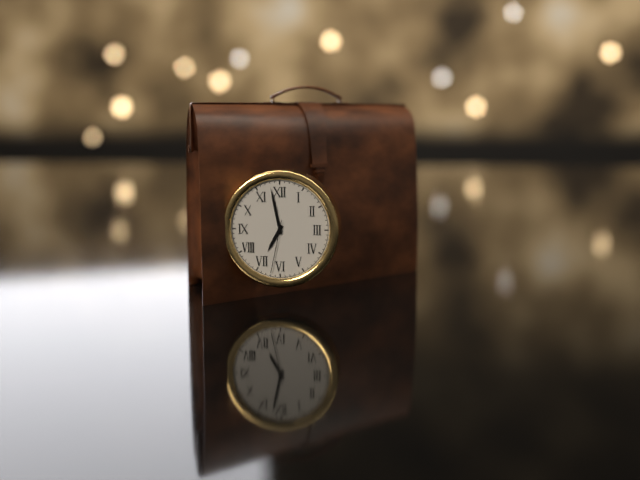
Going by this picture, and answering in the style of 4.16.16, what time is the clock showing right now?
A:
6.58.32
